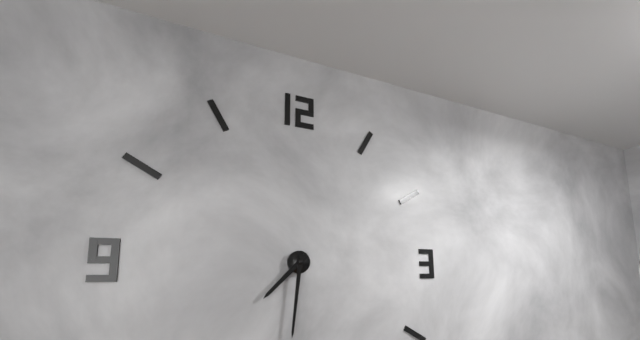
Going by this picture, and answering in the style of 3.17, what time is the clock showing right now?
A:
7.31
